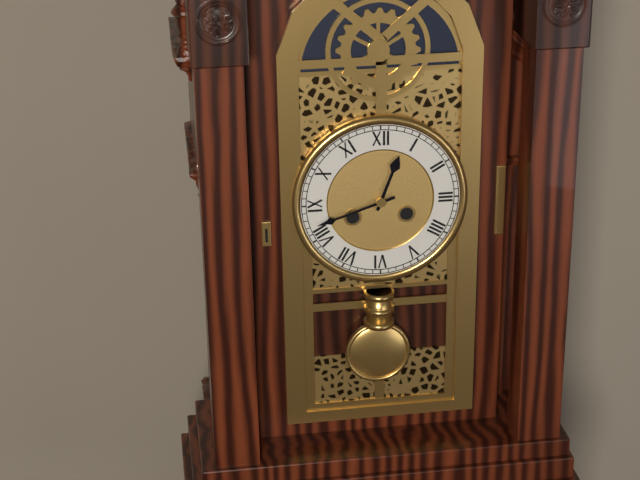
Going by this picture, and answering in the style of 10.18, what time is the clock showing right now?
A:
12.42
